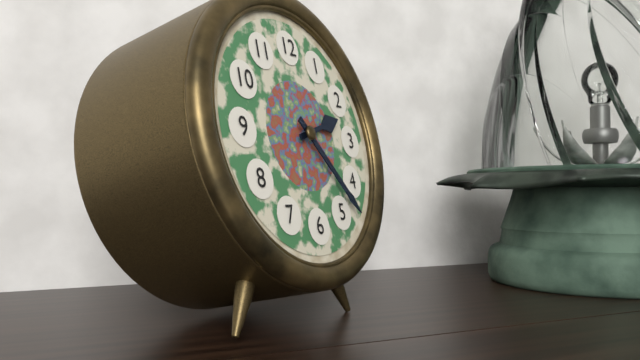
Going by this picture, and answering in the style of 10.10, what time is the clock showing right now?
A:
2.23
